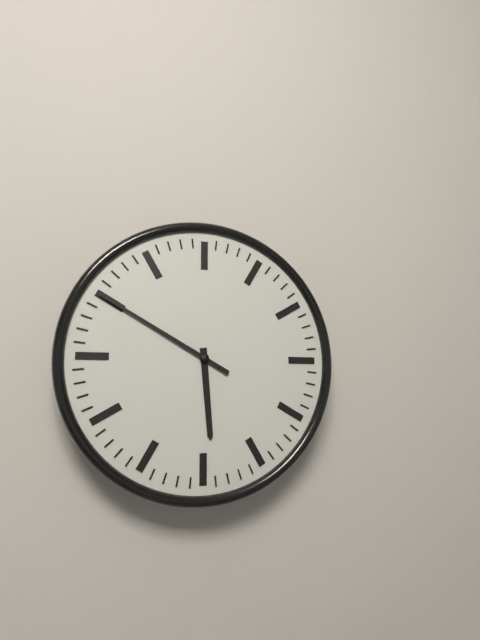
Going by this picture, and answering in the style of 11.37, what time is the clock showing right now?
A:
5.50
